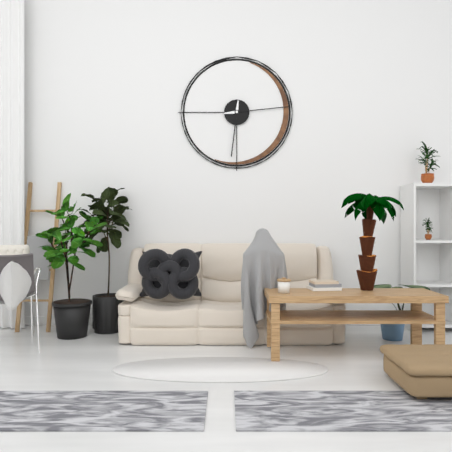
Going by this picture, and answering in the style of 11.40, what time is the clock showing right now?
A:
6.14
